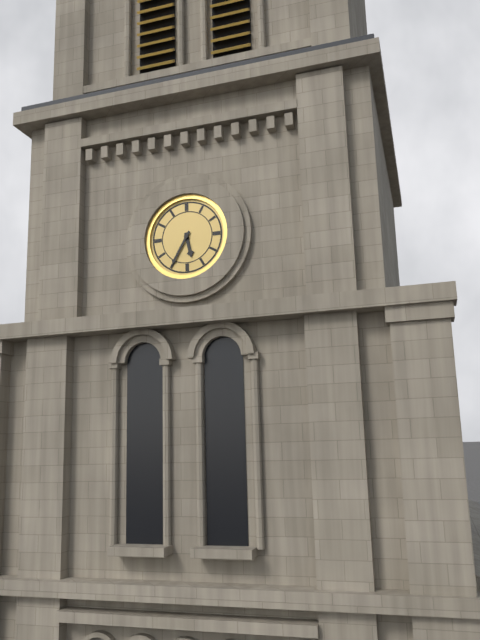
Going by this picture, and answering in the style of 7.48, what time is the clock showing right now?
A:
5.35
